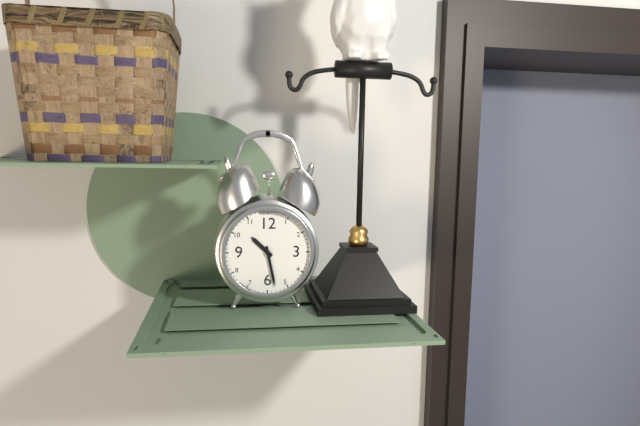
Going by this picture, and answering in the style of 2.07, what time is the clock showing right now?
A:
10.28
